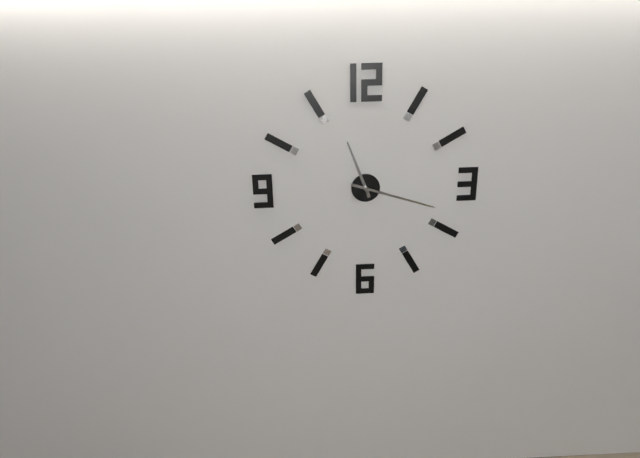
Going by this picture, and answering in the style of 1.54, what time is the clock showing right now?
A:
11.18
